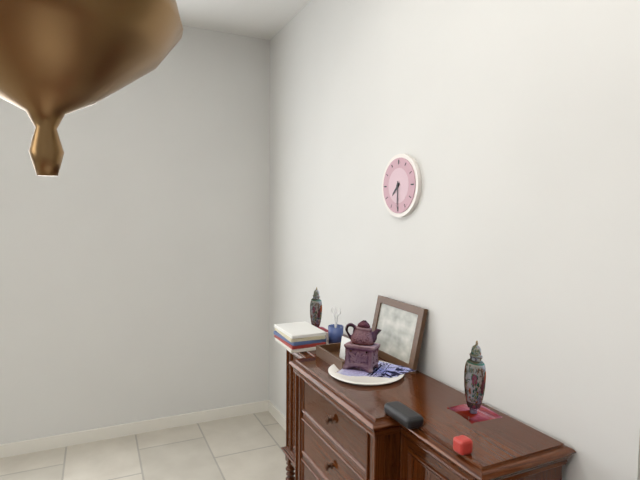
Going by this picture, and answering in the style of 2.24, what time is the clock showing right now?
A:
7.30
